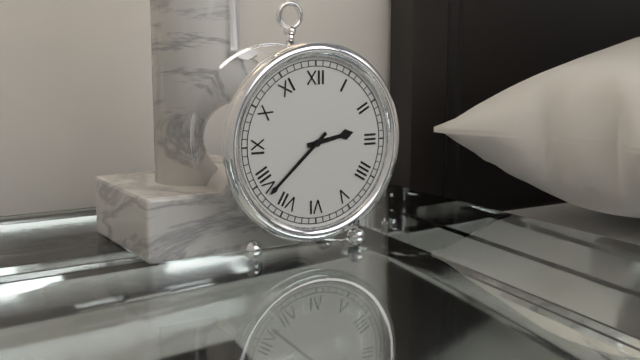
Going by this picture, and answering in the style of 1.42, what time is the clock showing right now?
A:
2.38
